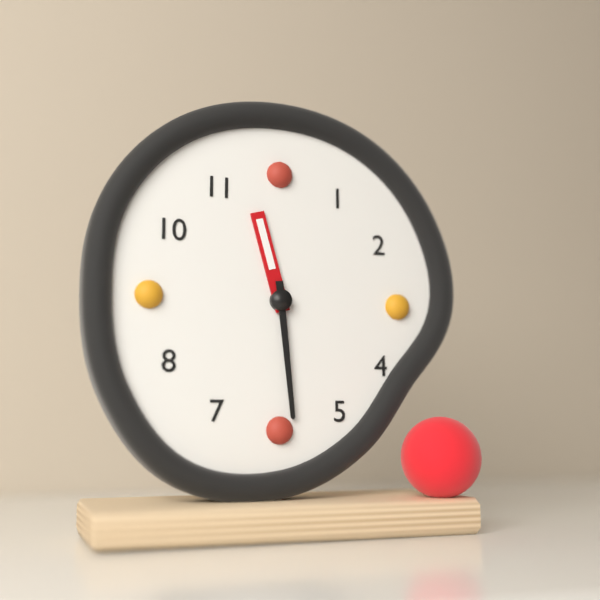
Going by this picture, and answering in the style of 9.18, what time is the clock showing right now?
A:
11.29
